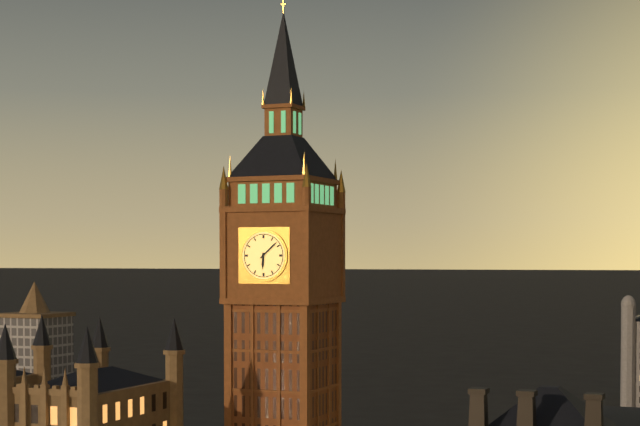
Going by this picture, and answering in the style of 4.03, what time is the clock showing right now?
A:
6.08
